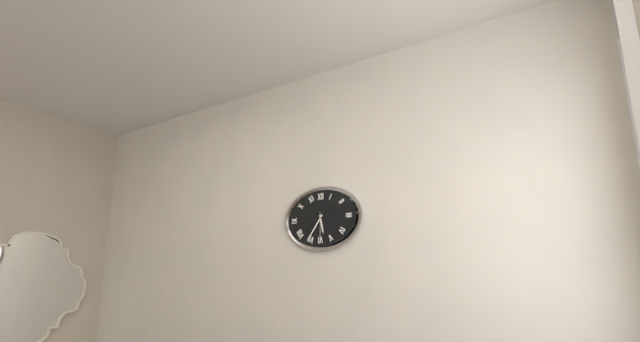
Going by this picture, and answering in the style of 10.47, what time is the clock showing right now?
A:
5.36
